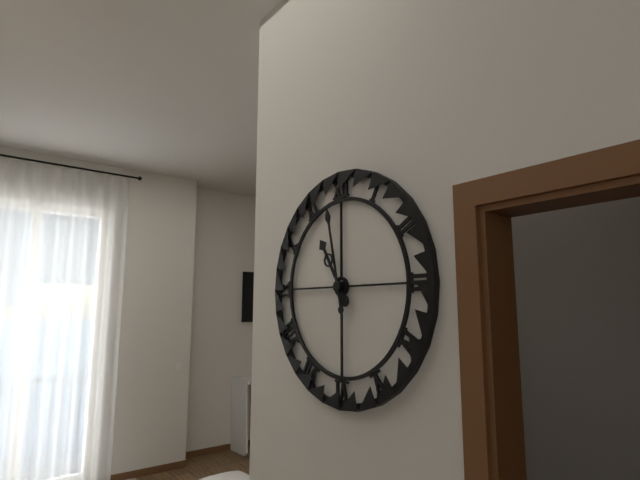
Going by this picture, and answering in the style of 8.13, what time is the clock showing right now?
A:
10.58
